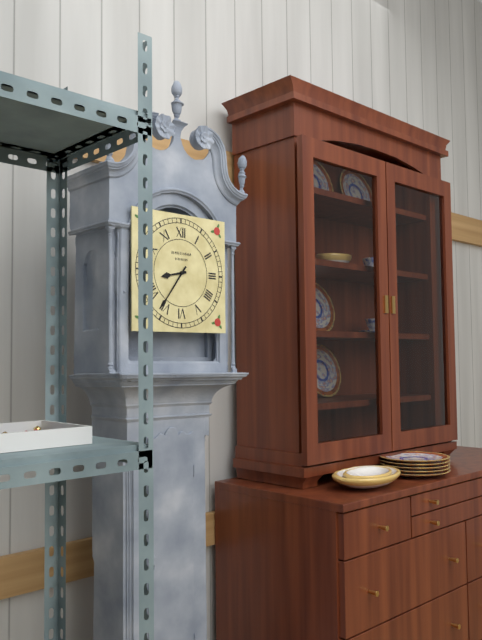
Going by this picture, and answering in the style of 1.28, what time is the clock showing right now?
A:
8.36
